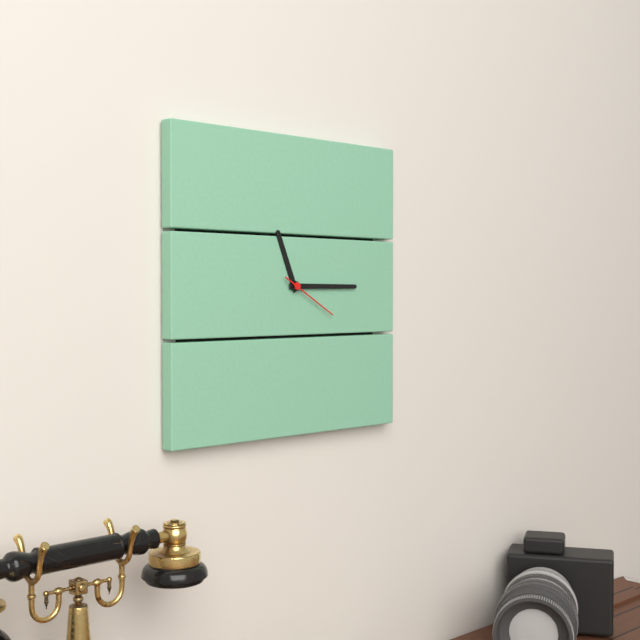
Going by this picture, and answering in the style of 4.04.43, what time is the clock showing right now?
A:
11.15.20
